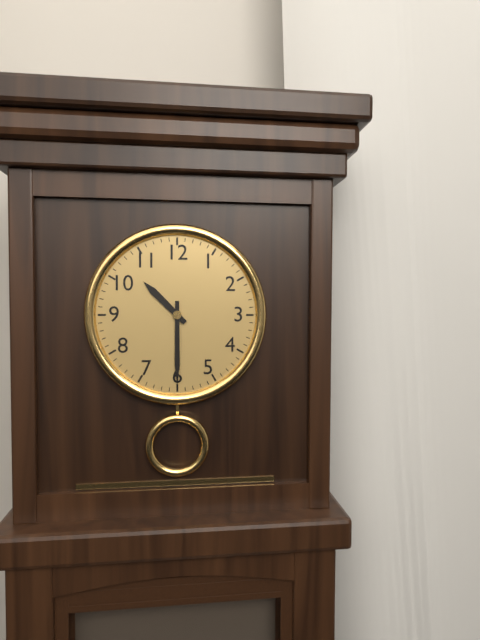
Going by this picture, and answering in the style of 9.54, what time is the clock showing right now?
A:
10.30
